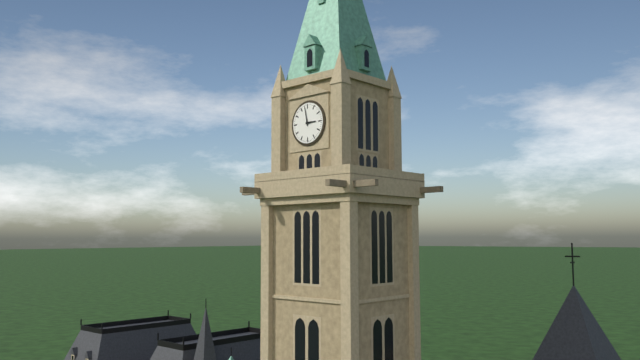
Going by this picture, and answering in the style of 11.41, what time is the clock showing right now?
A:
2.58
